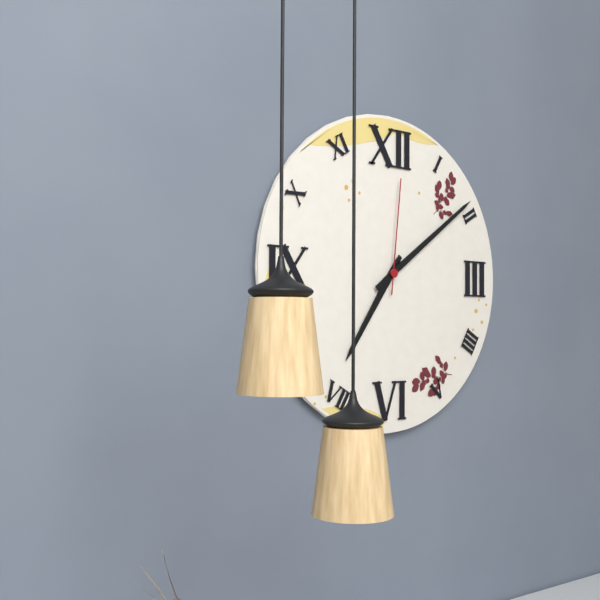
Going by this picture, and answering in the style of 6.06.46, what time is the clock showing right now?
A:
7.09.01
